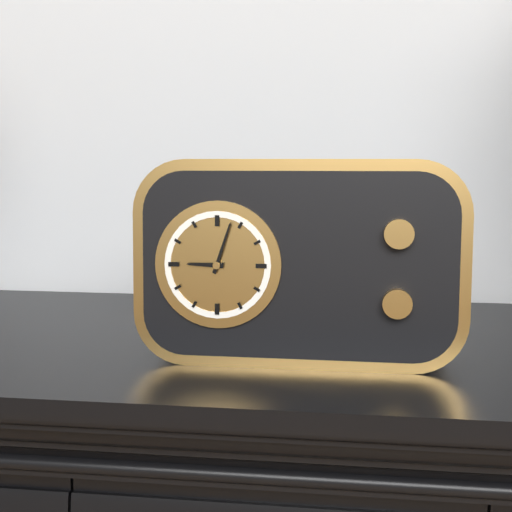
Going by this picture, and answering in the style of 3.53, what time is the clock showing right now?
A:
9.03
